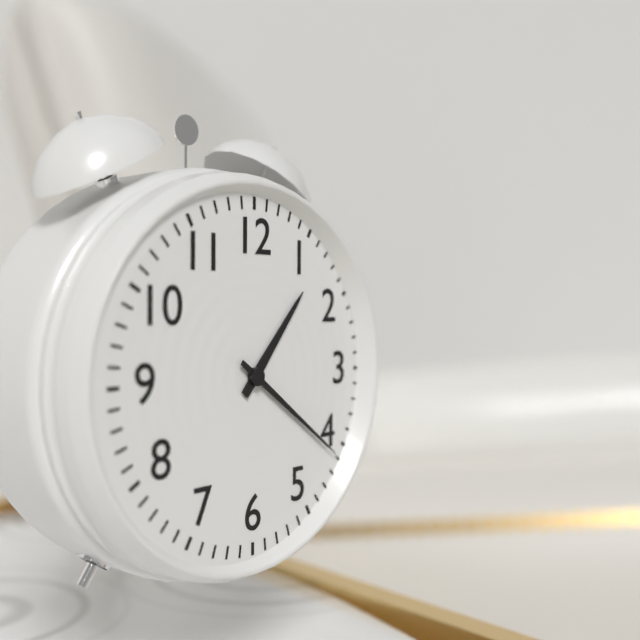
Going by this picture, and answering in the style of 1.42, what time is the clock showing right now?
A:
1.21
